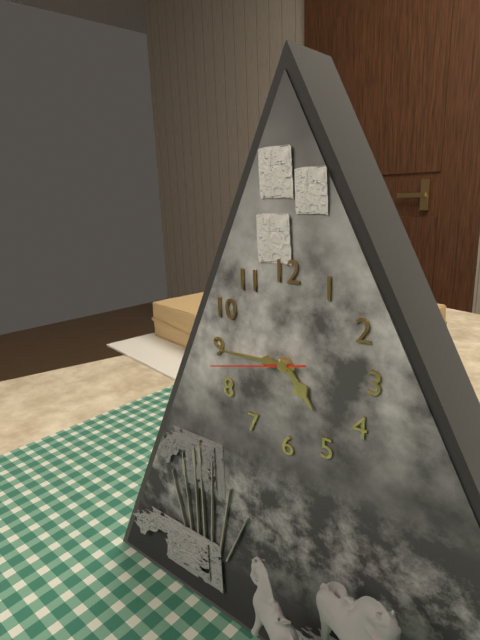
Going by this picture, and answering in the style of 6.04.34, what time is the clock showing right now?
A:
4.45.43
